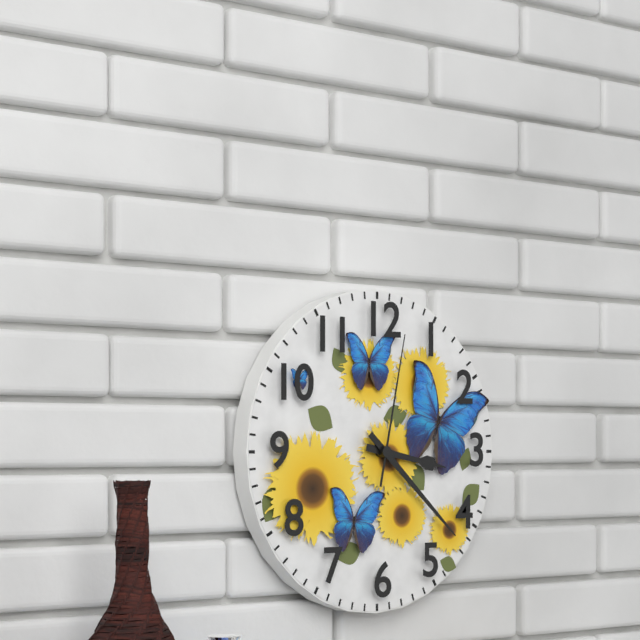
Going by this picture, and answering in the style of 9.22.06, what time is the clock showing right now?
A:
3.22.02
